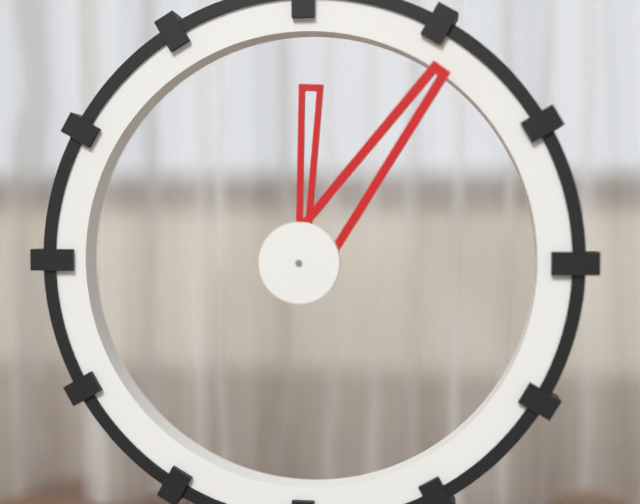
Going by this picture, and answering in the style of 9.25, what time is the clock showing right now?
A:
12.06
